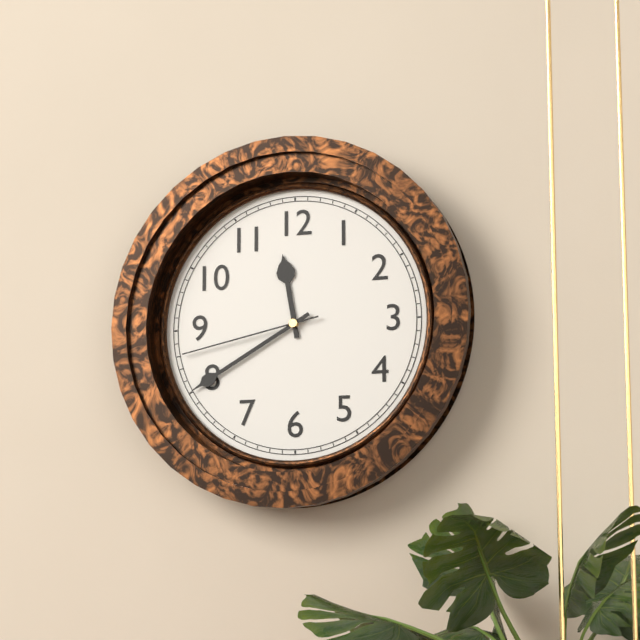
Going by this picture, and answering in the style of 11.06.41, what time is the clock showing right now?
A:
11.40.43
